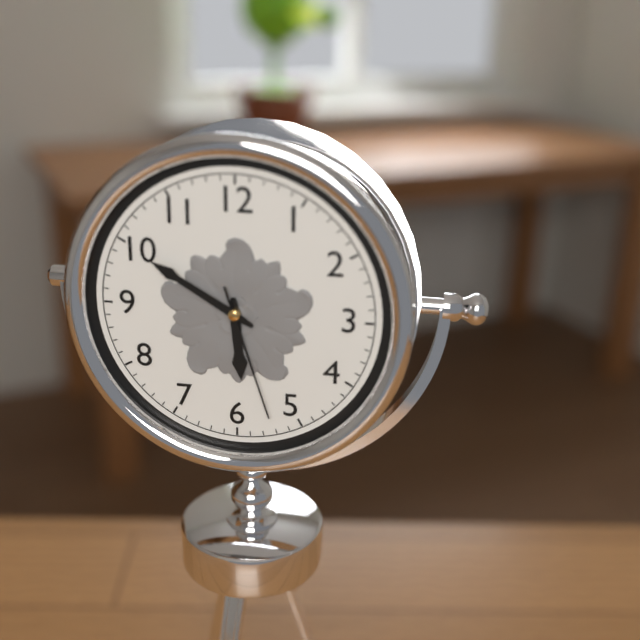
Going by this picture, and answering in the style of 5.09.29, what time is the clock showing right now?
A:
5.50.27
